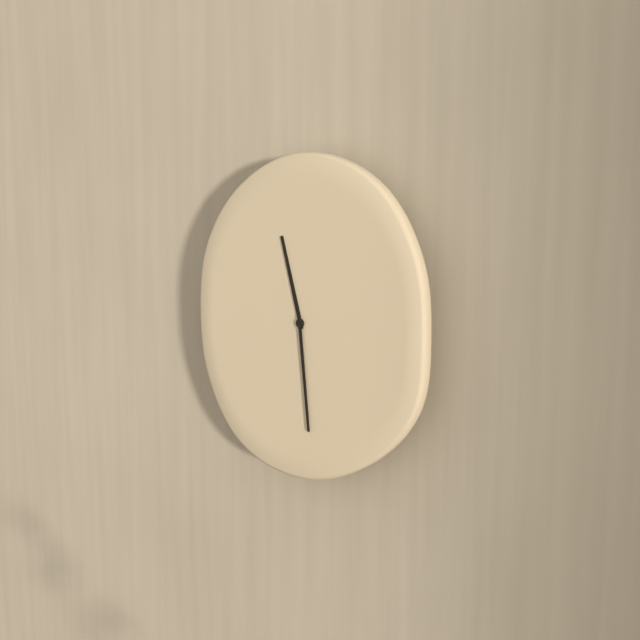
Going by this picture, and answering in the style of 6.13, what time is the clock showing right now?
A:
11.29
